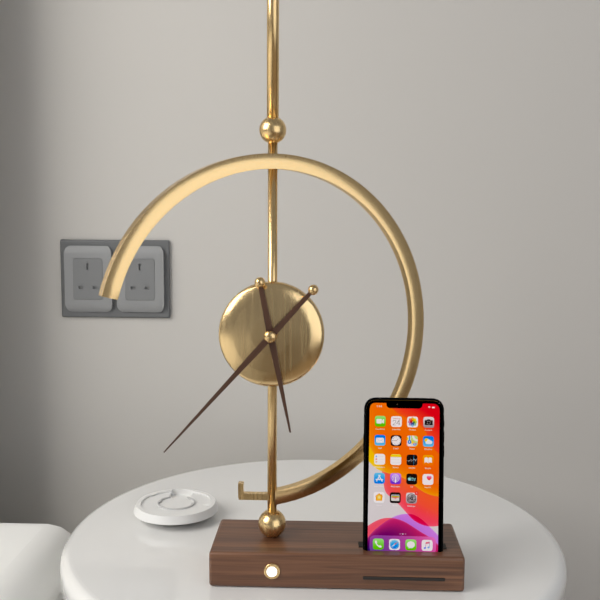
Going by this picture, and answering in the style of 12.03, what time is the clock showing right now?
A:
5.37
